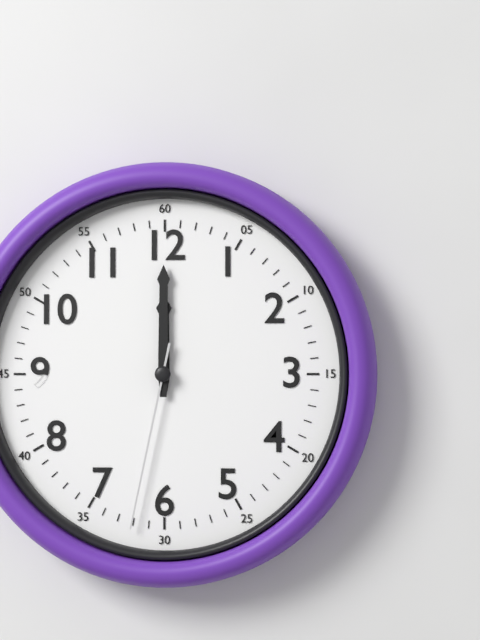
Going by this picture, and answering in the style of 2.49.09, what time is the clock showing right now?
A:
12.00.32
